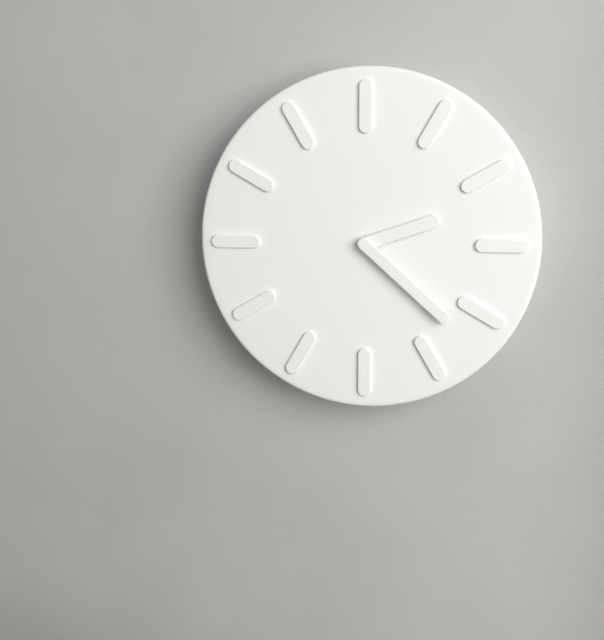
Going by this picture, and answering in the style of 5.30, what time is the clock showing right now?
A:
2.22
